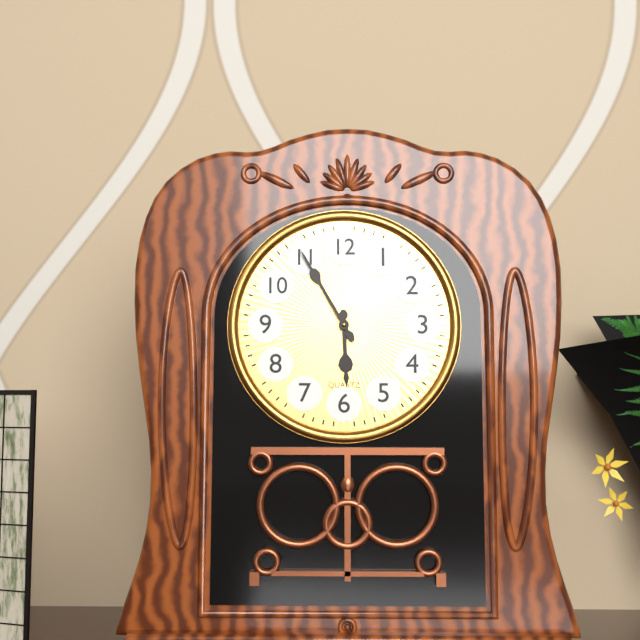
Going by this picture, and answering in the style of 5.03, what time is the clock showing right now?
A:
5.55
